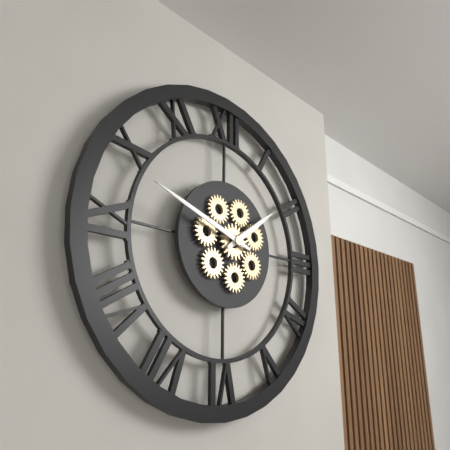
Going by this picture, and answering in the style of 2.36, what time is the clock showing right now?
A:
1.48
